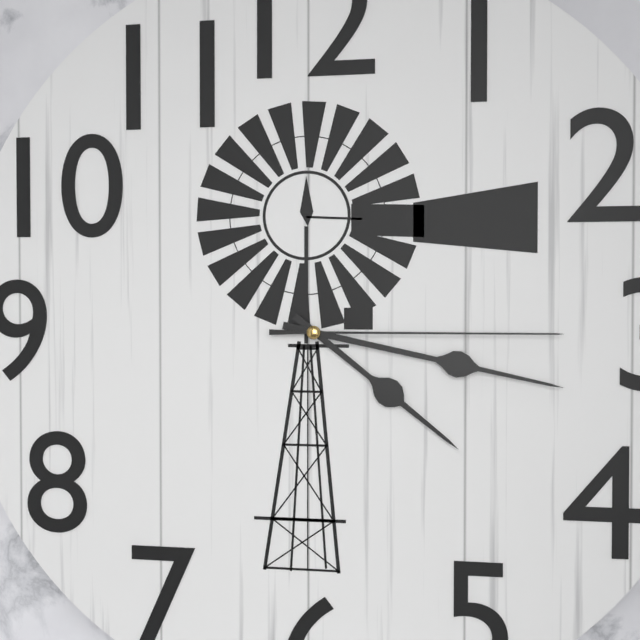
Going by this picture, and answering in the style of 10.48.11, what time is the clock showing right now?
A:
4.17.15
